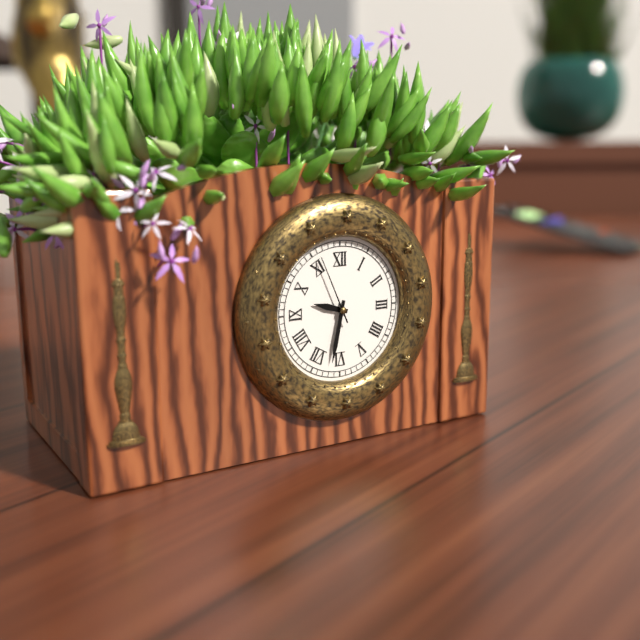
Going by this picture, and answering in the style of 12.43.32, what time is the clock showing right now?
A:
9.32.56
